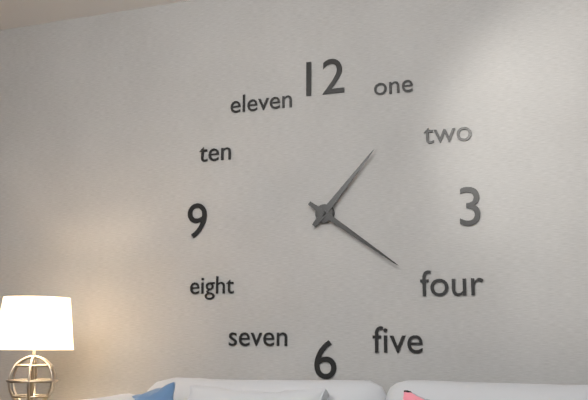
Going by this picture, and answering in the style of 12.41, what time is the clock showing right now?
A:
1.21
